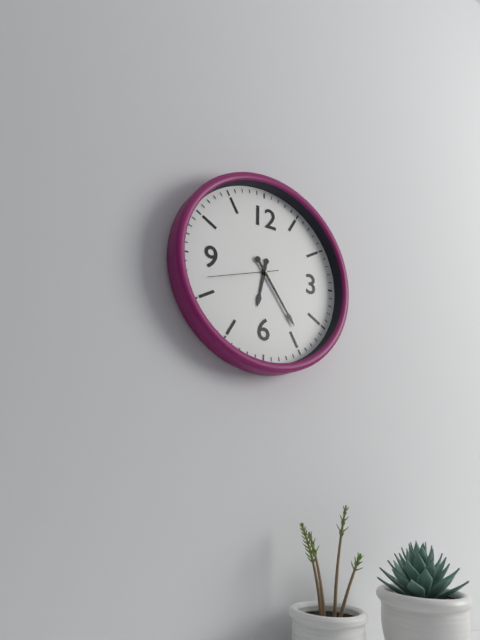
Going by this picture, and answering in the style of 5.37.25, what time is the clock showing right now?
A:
6.24.42
